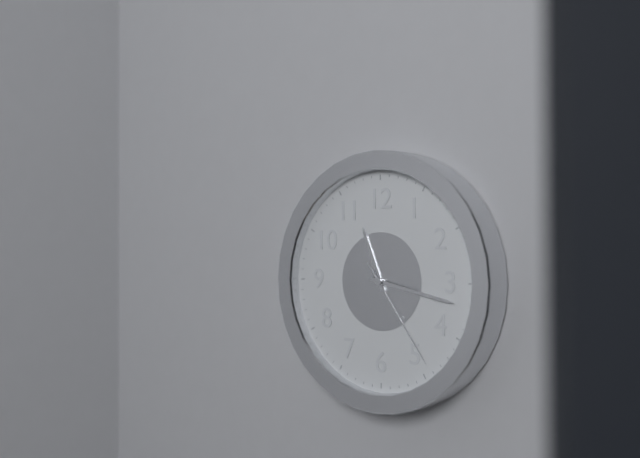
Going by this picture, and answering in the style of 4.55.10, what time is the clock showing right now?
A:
11.17.24
